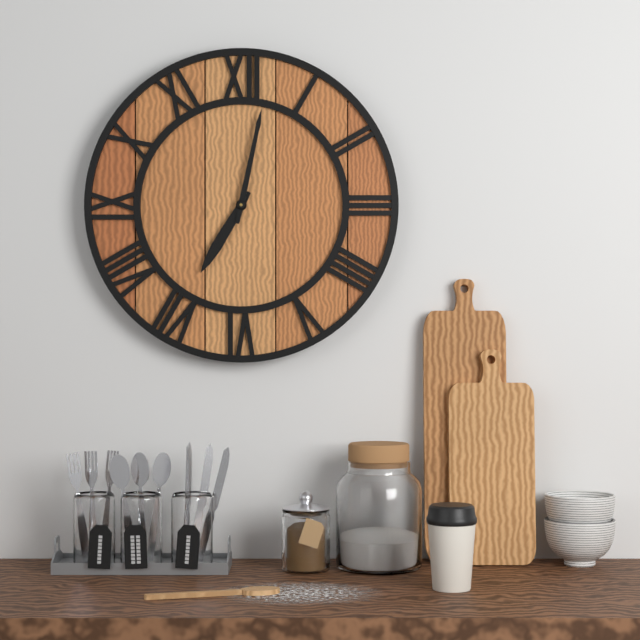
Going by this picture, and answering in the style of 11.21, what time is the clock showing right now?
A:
7.02
